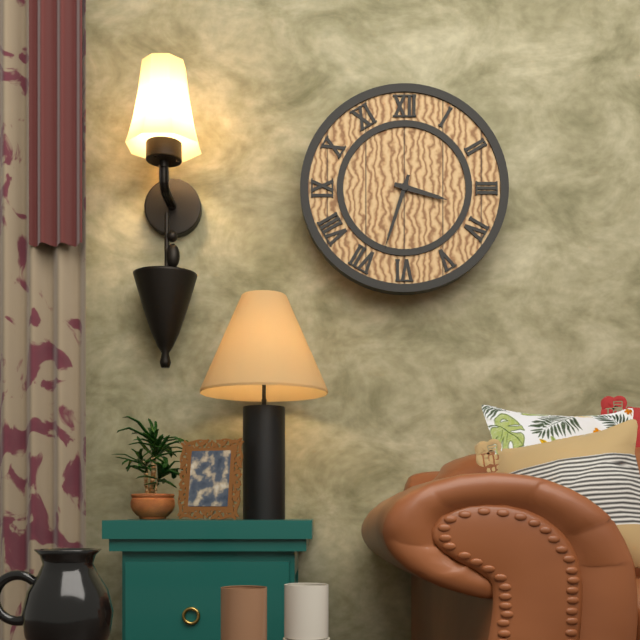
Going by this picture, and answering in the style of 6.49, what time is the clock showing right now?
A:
3.33
